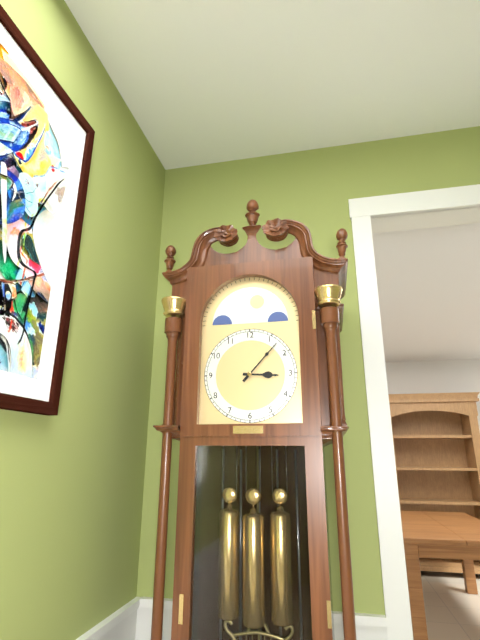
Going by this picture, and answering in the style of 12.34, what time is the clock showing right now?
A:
3.07
